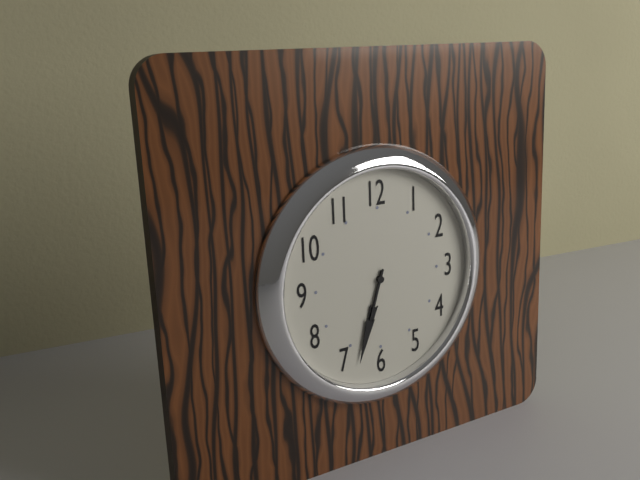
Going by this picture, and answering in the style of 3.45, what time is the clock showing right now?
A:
6.33
